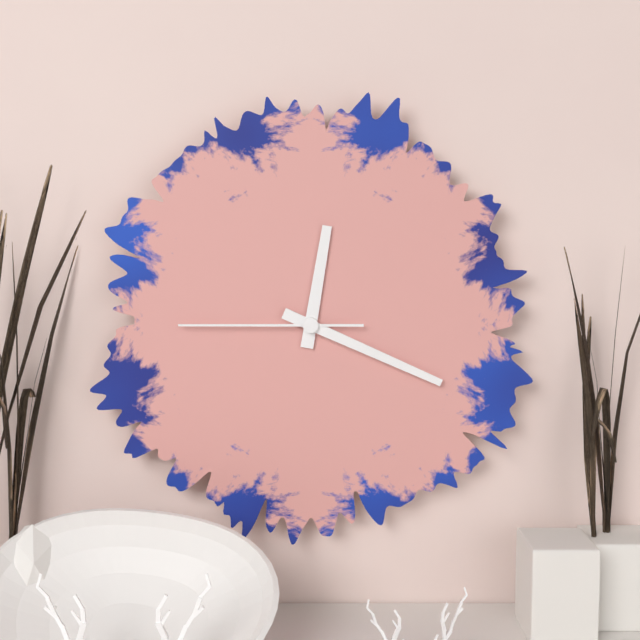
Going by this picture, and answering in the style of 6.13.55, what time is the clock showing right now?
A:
12.19.45
